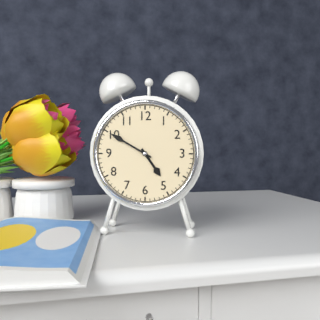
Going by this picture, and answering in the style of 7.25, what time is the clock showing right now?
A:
4.50
